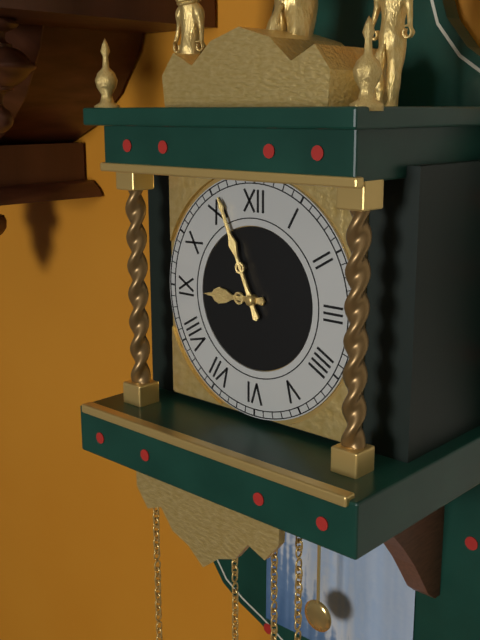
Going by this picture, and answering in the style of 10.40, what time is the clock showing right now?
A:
8.56
